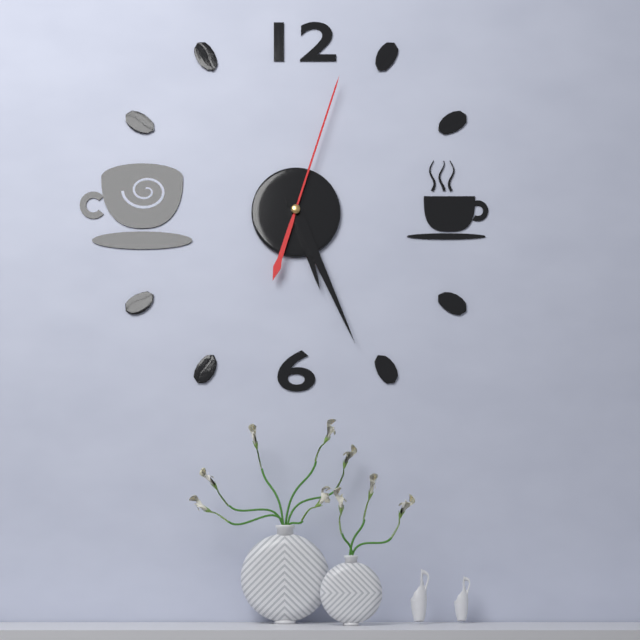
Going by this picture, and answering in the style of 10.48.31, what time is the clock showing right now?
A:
5.26.03
